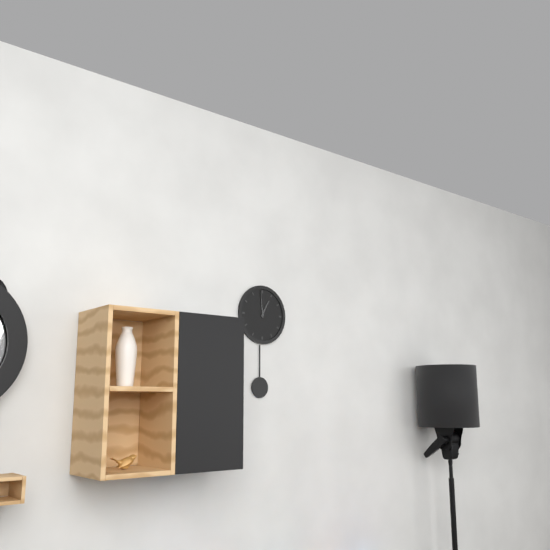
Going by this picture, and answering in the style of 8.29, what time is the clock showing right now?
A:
12.59
